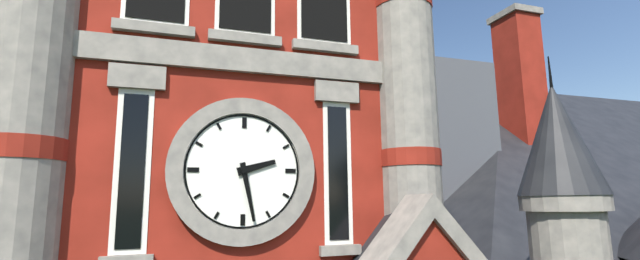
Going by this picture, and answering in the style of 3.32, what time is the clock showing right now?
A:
2.28
